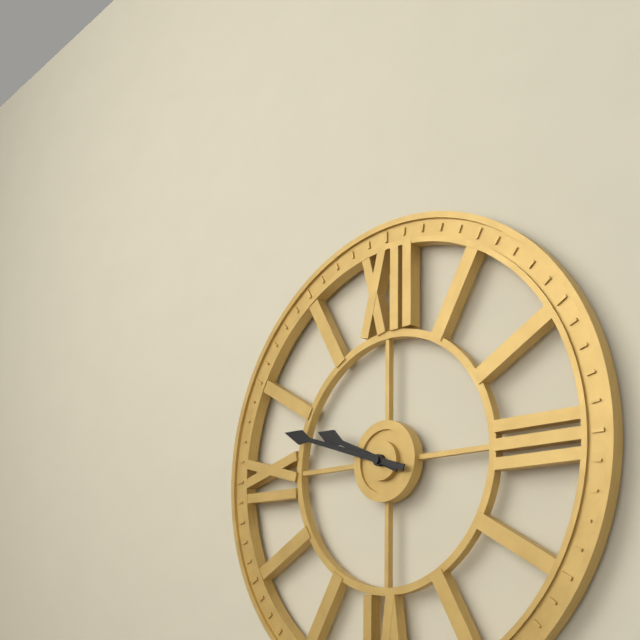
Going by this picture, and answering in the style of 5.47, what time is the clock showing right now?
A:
9.48
